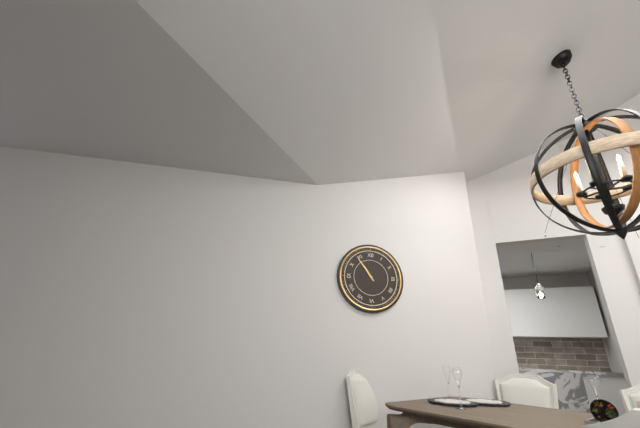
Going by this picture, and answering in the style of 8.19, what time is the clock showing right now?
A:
10.54
